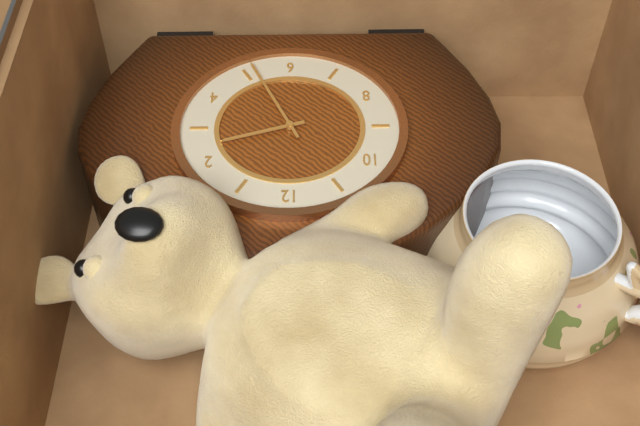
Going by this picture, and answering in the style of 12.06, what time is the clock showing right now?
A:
2.26
